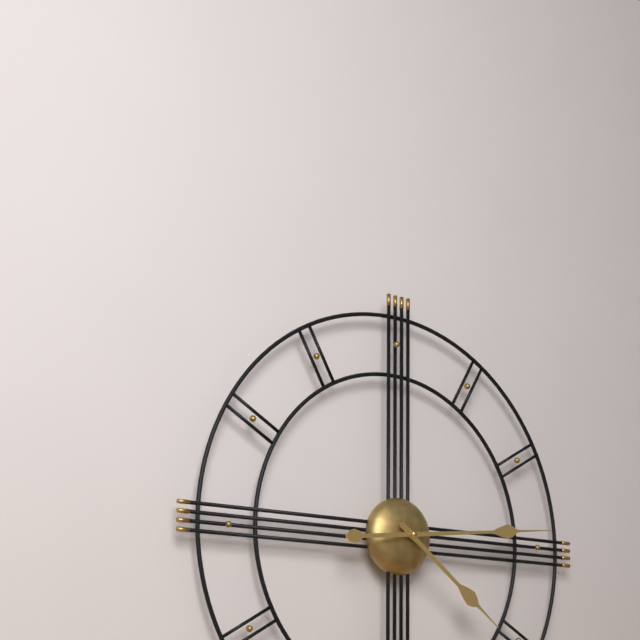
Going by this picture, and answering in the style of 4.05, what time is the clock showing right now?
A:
4.14
